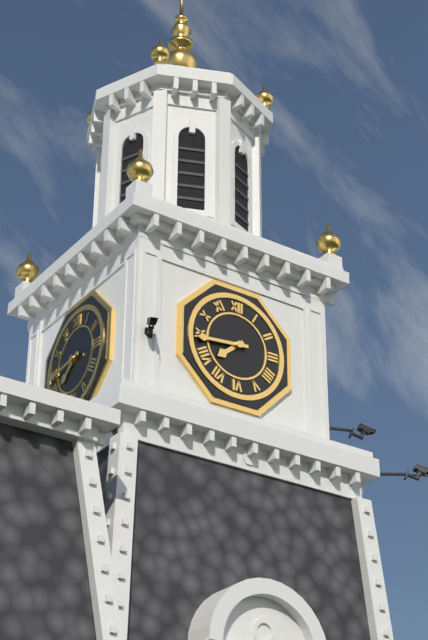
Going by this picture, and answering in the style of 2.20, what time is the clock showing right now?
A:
7.44
